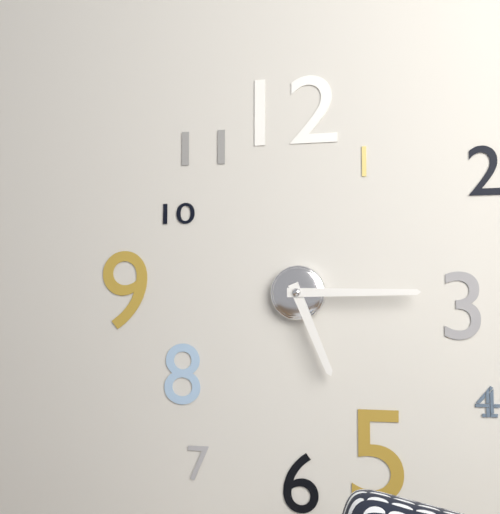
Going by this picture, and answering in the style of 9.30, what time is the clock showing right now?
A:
5.15
